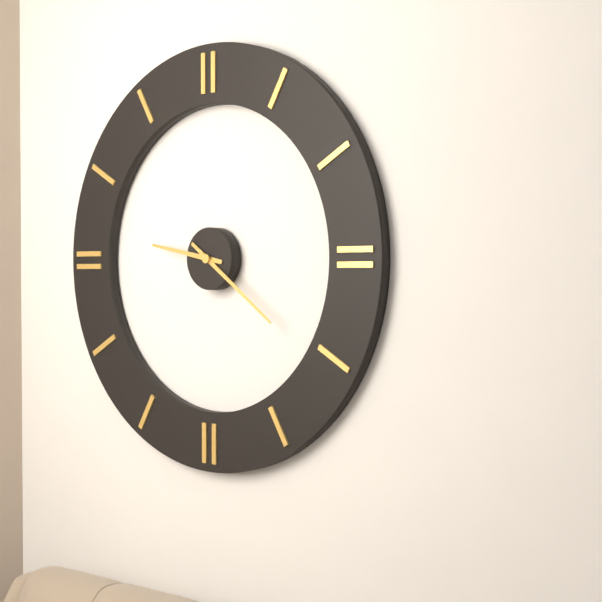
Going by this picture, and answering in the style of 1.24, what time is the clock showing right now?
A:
9.21
